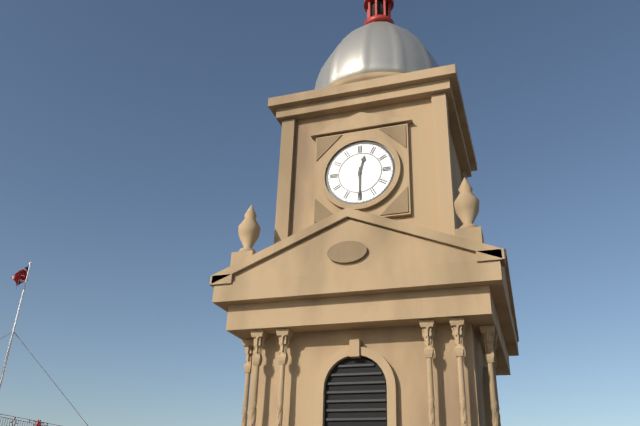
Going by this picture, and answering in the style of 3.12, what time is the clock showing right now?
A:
12.30
